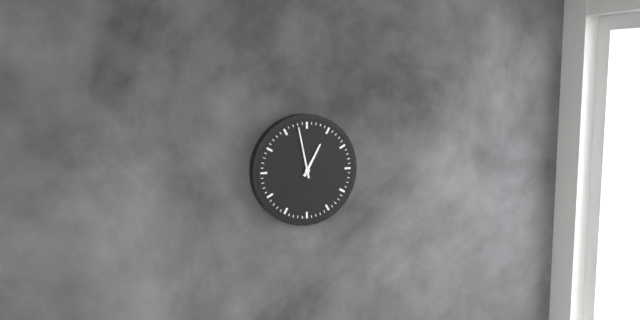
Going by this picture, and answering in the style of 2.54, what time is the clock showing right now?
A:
12.58
